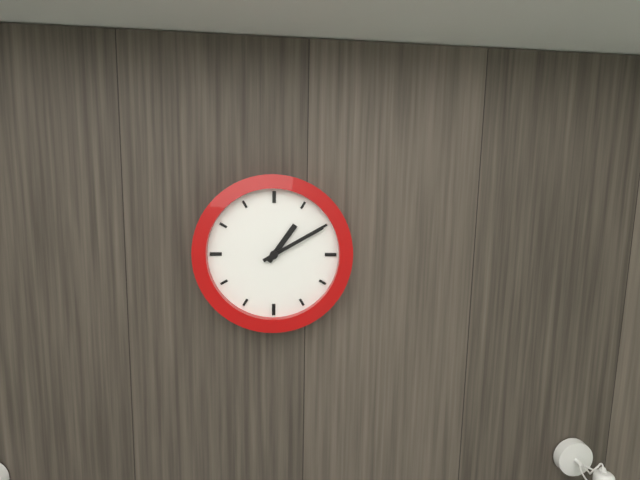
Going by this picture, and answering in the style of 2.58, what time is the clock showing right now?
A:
1.10
